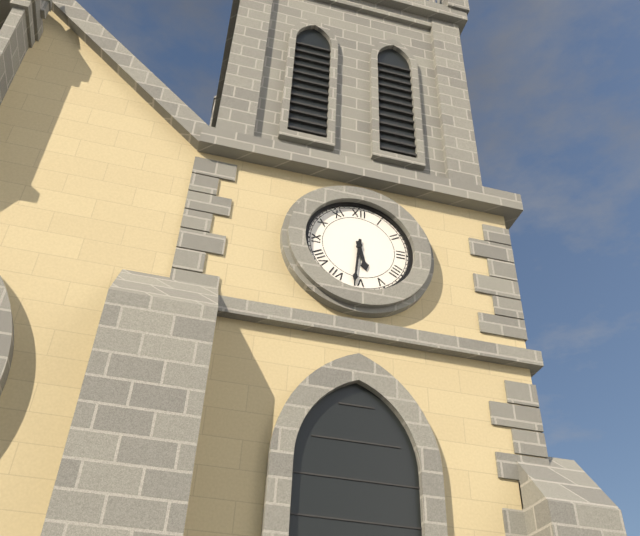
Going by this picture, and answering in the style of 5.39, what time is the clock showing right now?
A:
5.31
